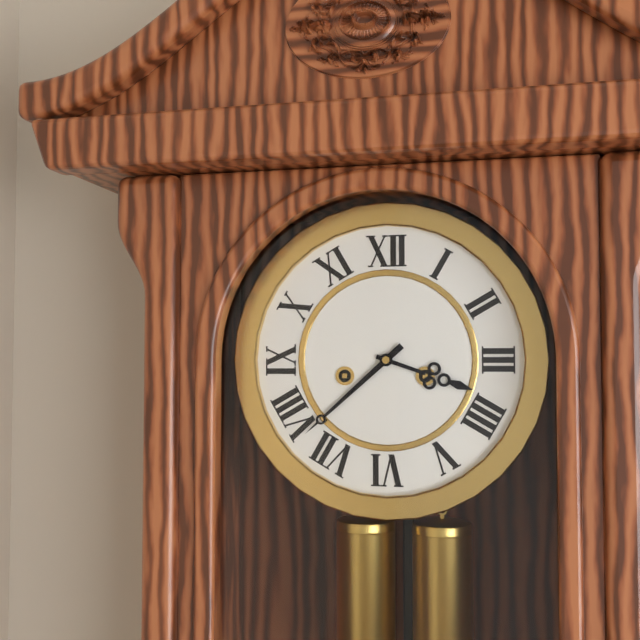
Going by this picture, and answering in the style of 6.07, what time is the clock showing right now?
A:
3.38
